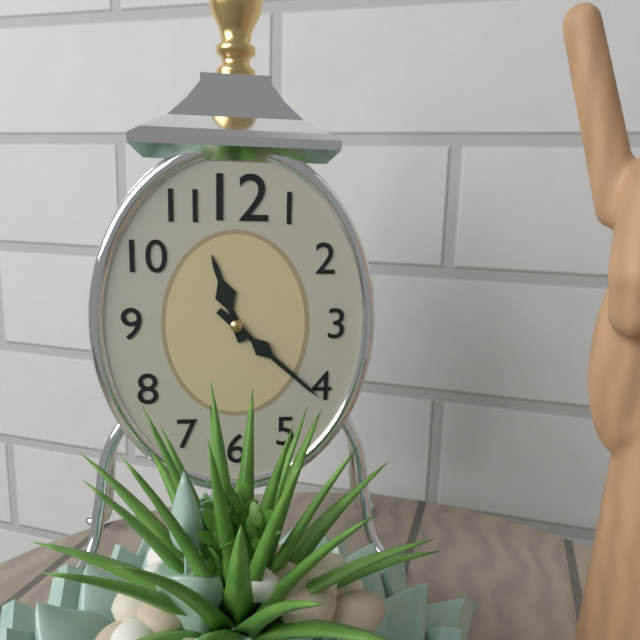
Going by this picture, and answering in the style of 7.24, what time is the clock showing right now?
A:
11.22
